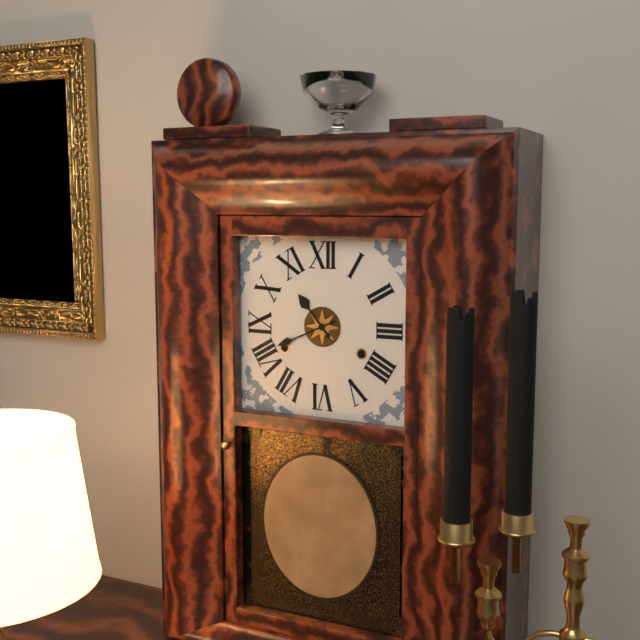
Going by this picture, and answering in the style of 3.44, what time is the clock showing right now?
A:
10.41
